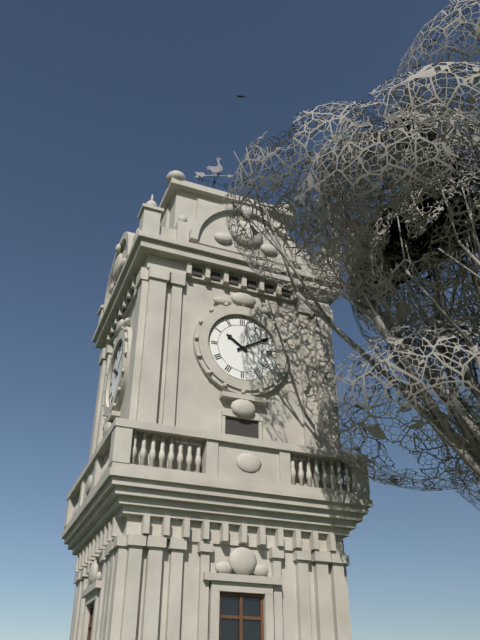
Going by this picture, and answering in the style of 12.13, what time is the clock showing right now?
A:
10.10
